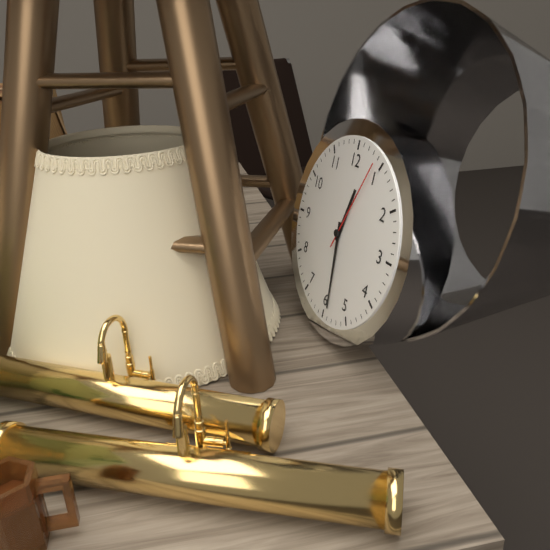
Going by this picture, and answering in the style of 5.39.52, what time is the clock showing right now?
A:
12.29.04
